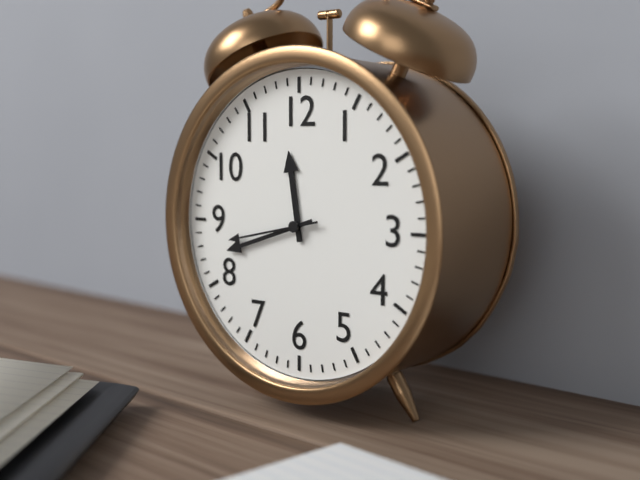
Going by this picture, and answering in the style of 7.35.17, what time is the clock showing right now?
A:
11.42.43
